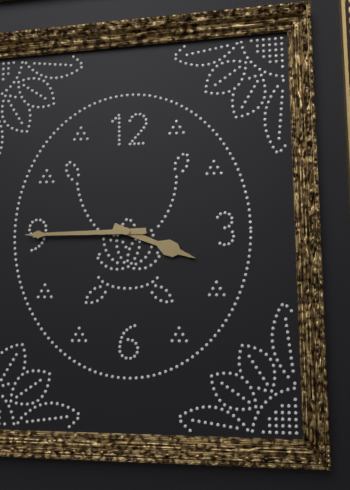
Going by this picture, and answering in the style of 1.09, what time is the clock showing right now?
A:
3.45
